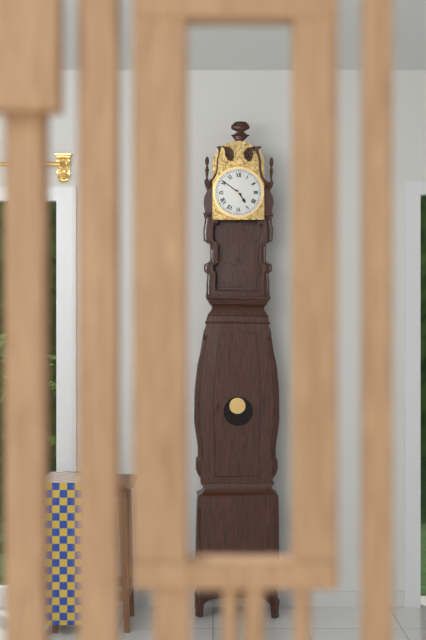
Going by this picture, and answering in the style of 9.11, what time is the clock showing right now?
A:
4.51
